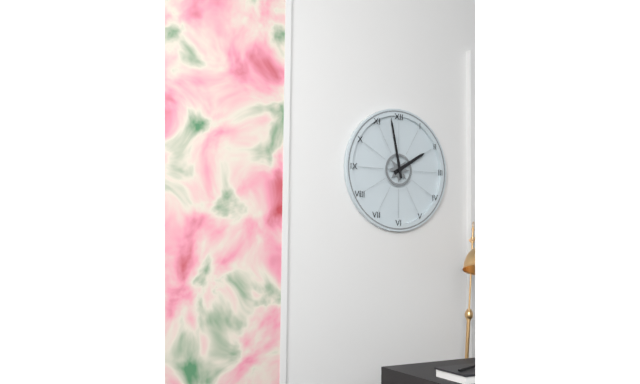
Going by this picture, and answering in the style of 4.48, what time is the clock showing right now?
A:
1.58
